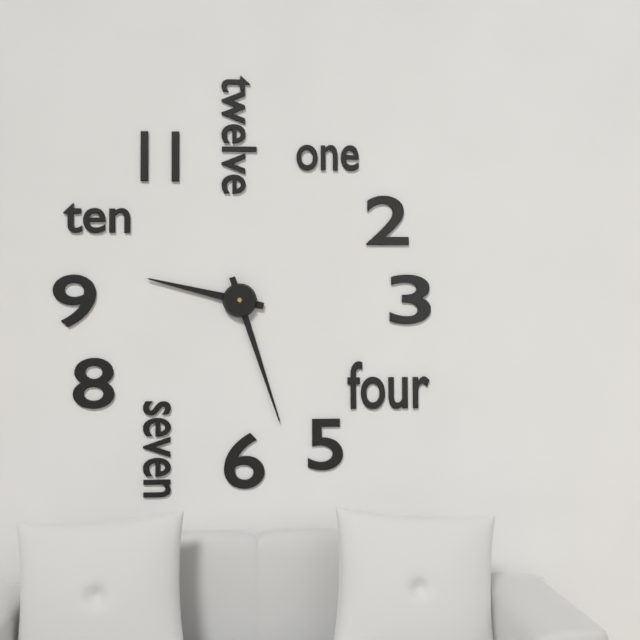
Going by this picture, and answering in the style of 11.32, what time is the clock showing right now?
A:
9.27
